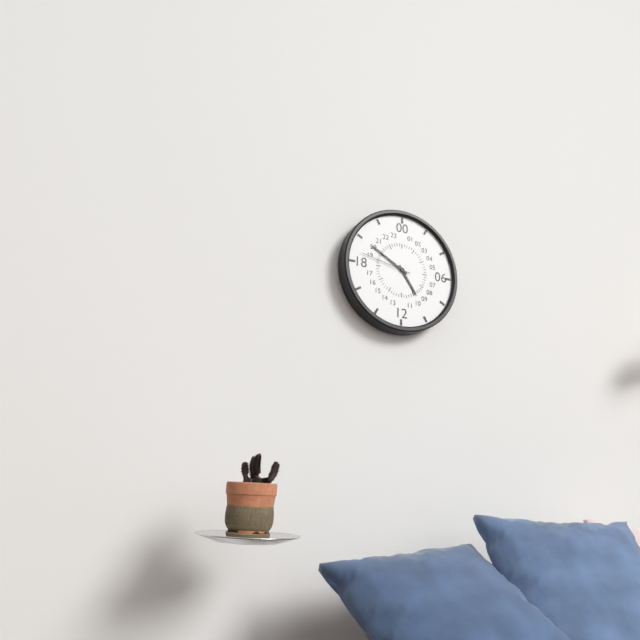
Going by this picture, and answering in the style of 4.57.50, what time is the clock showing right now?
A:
4.50.47
